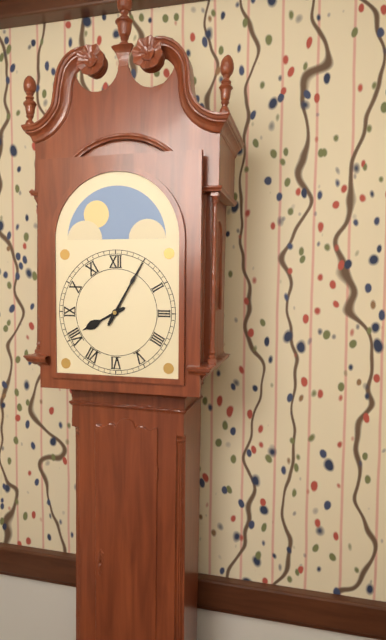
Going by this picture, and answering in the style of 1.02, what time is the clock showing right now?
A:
8.05
